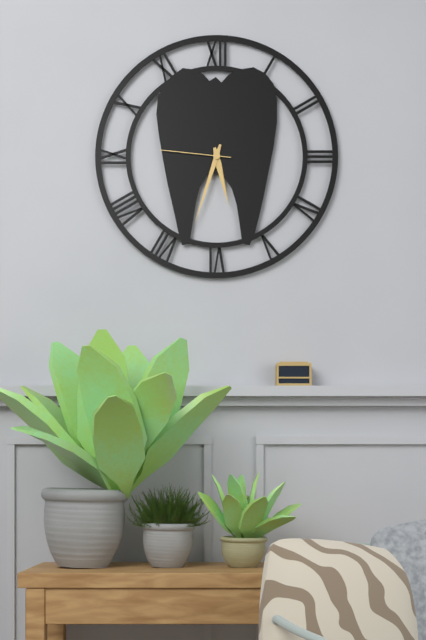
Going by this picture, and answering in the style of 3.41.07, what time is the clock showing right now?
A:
5.33.46
